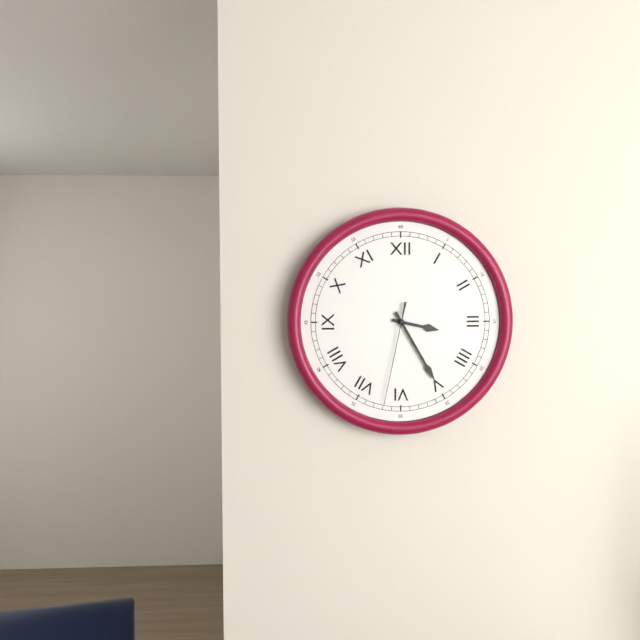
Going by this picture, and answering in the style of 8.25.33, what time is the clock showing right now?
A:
3.25.32
